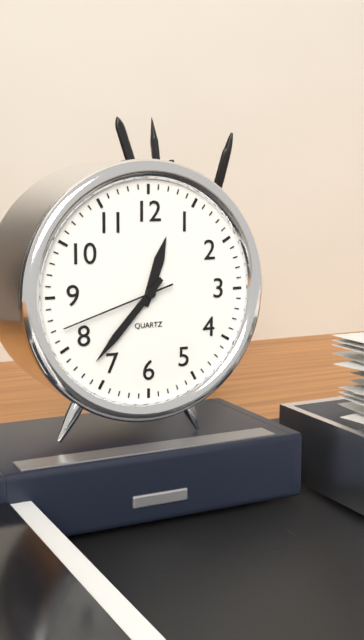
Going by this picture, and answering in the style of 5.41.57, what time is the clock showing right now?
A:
12.37.42
